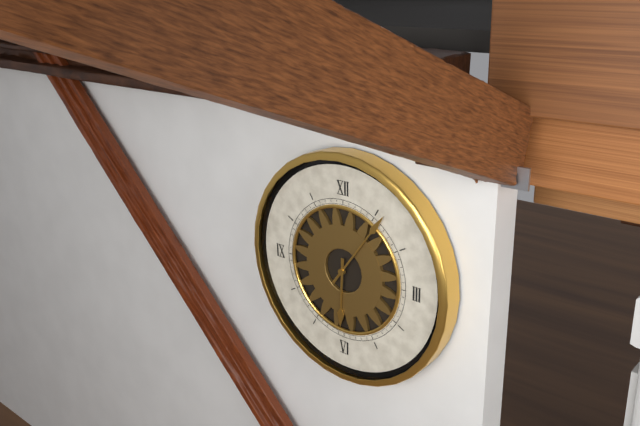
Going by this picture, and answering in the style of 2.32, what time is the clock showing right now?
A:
6.06
